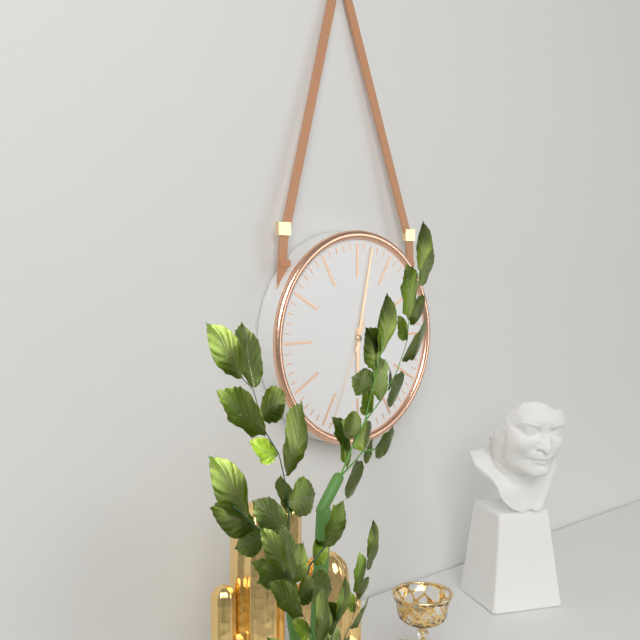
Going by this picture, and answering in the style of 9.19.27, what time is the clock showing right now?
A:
6.02.34
